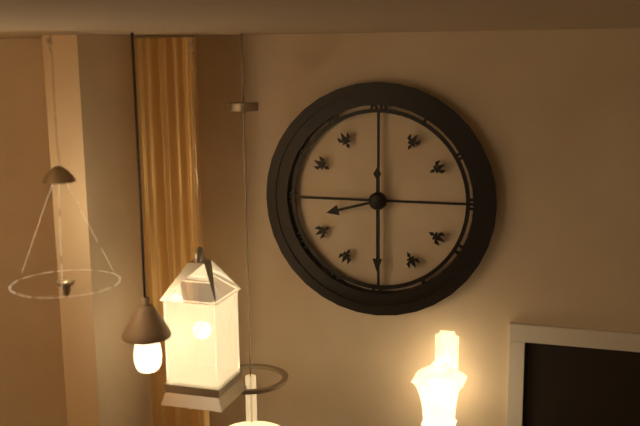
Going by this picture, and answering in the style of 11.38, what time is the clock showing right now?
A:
8.30
